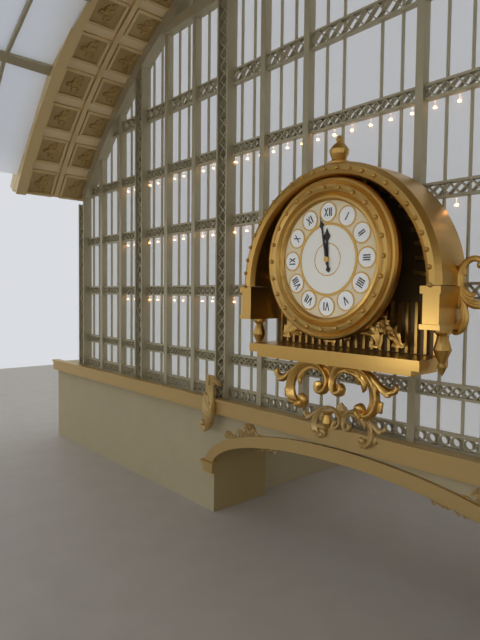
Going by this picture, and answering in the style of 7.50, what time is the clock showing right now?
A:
11.58
